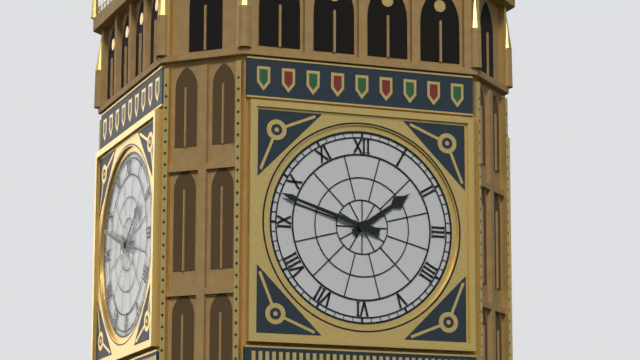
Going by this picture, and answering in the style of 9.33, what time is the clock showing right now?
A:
1.48
